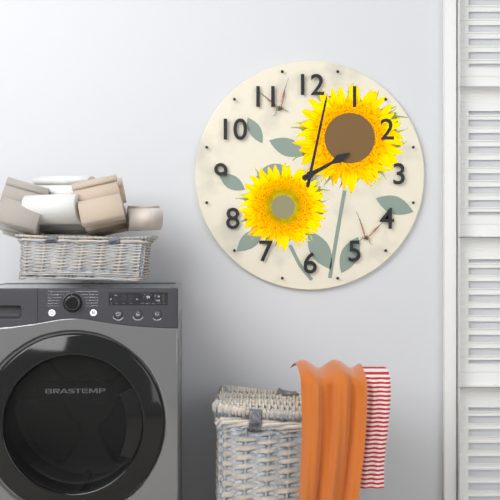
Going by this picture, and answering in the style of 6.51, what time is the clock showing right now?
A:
2.02
